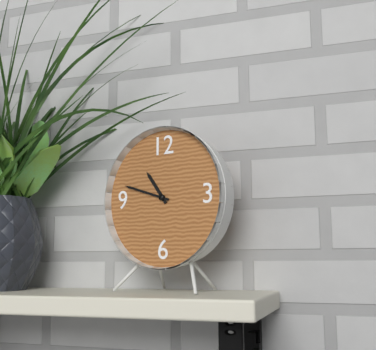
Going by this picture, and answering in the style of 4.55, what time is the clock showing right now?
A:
10.48
